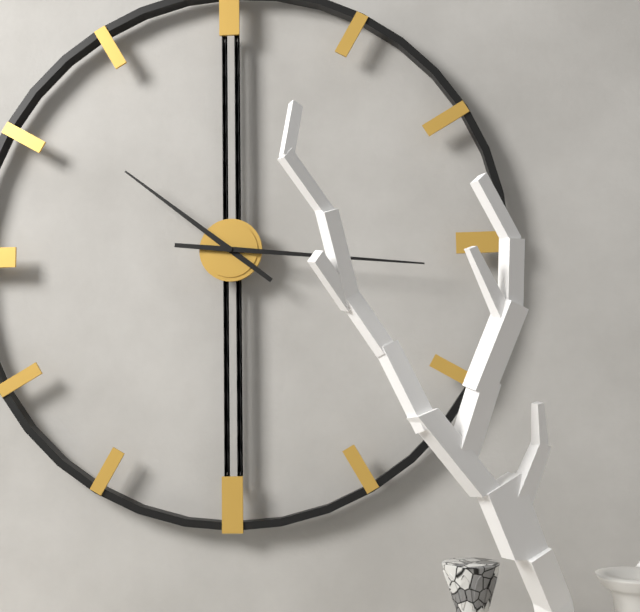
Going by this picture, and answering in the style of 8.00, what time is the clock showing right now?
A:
10.16
